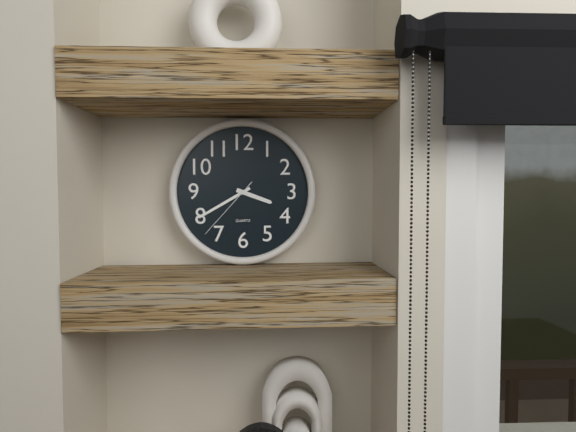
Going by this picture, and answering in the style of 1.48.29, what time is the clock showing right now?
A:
3.40.37
